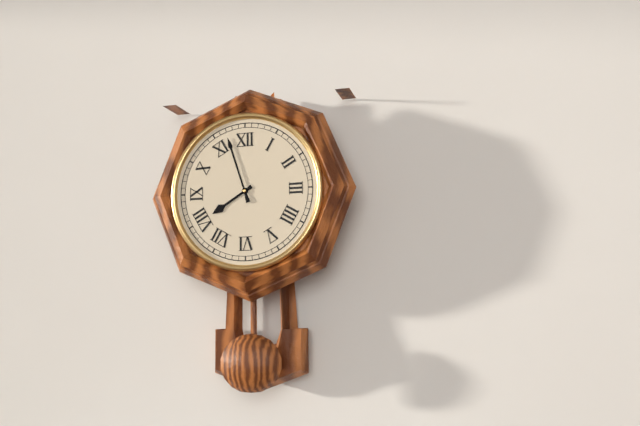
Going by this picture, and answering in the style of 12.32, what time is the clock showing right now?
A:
7.57
